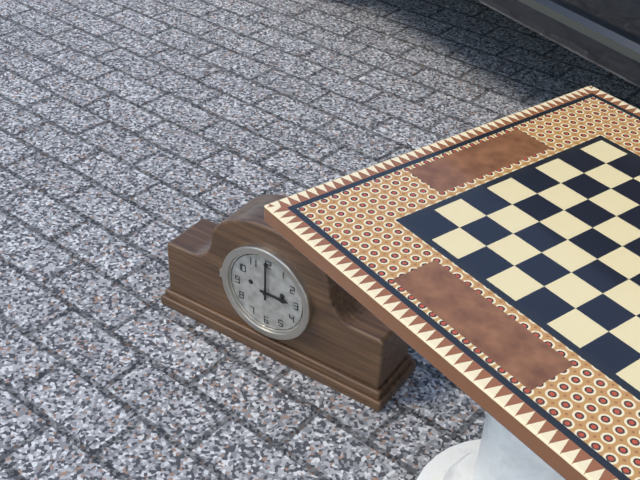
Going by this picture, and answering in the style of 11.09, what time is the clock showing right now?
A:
3.00
